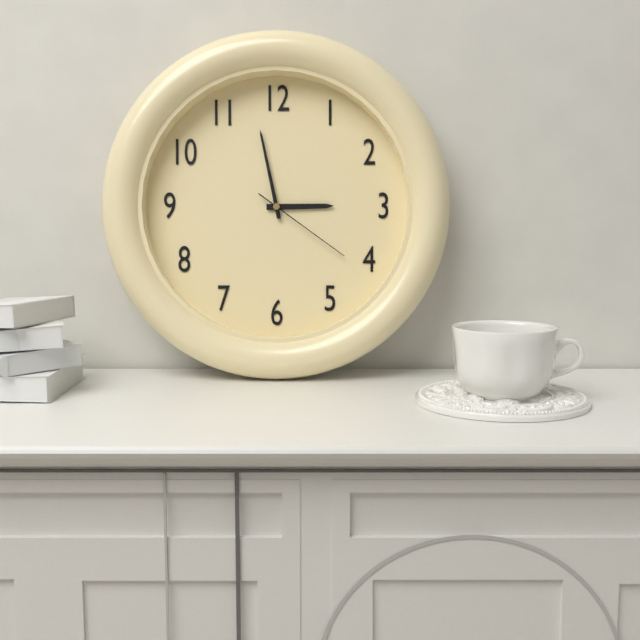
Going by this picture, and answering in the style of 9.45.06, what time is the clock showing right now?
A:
2.58.21
